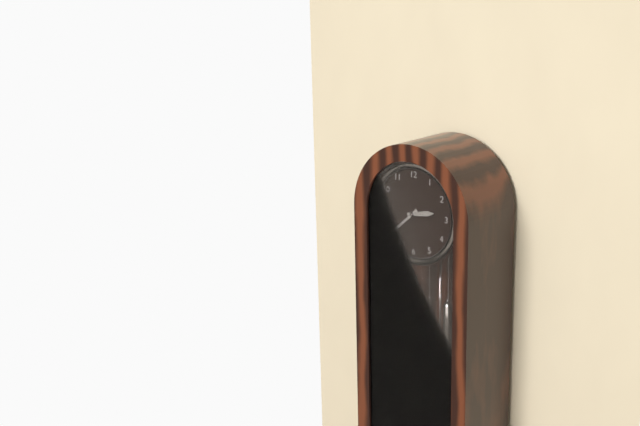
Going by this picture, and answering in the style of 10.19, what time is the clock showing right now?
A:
2.38
